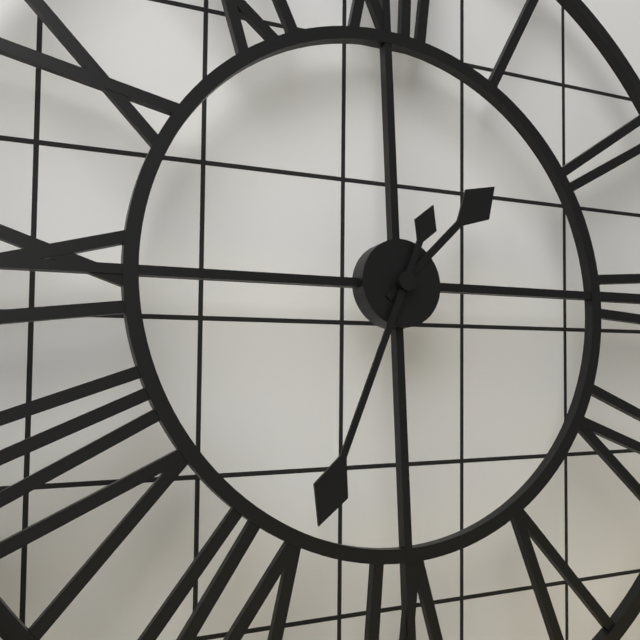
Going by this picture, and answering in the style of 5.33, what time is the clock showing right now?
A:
1.34
